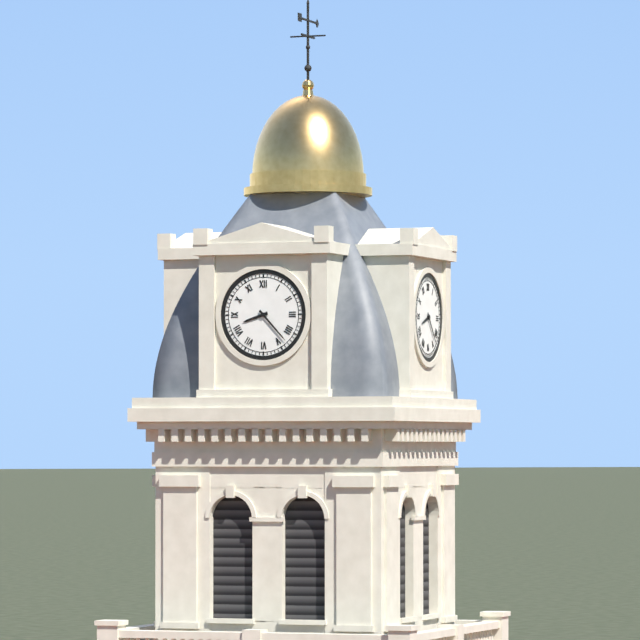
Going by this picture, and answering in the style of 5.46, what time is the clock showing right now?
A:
8.23
